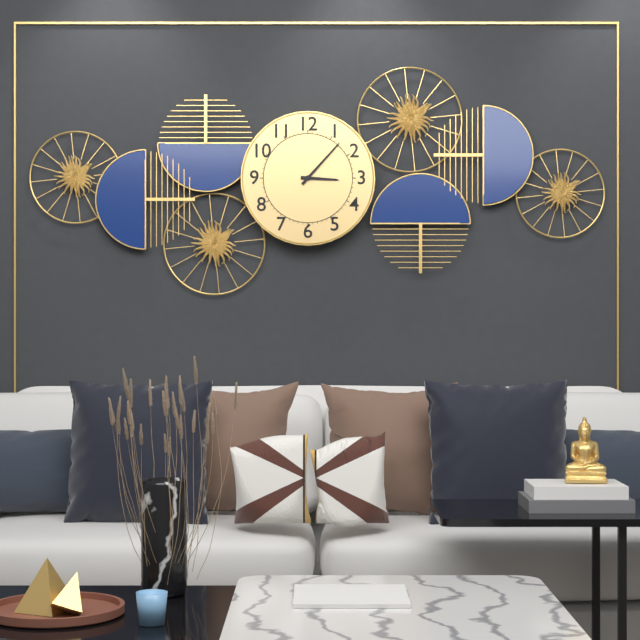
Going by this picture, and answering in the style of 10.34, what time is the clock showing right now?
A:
3.07
